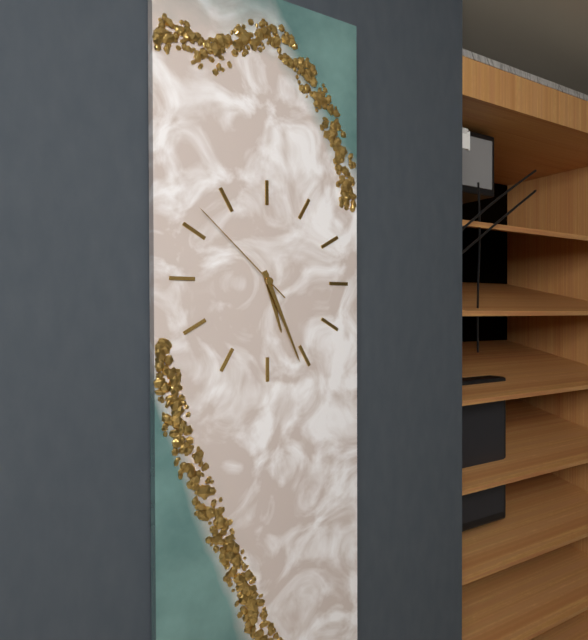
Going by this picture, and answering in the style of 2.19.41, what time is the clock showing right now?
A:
5.26.52
